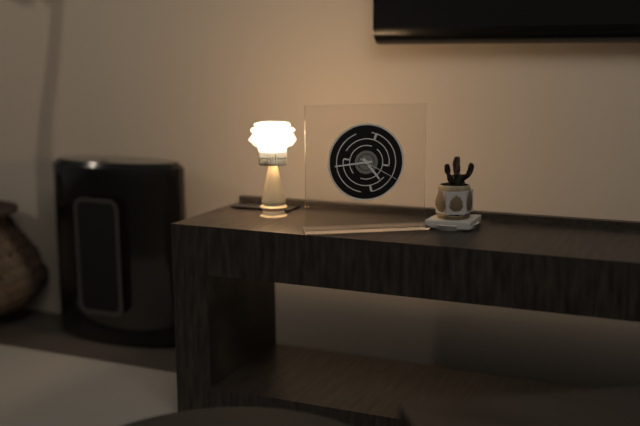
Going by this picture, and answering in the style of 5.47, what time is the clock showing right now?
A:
4.44
